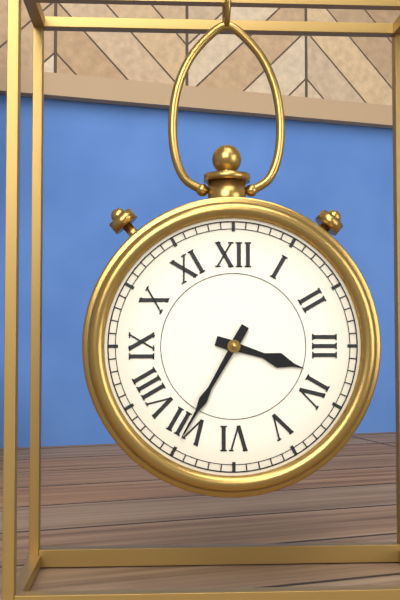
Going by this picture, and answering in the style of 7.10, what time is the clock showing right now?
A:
3.35
